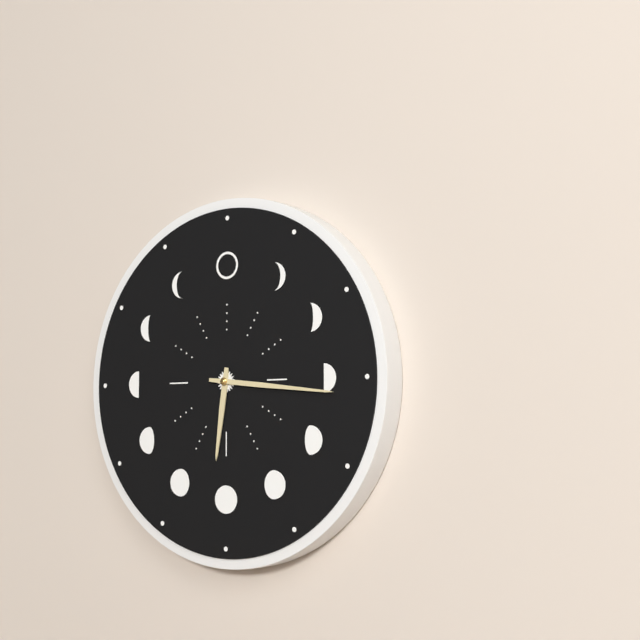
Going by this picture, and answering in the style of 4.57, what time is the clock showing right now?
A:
6.16
